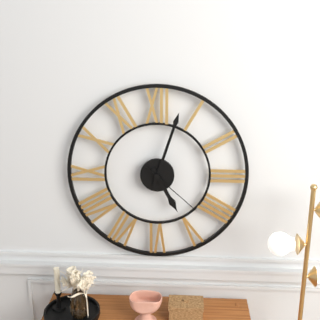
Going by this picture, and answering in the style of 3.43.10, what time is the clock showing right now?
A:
5.03.22
